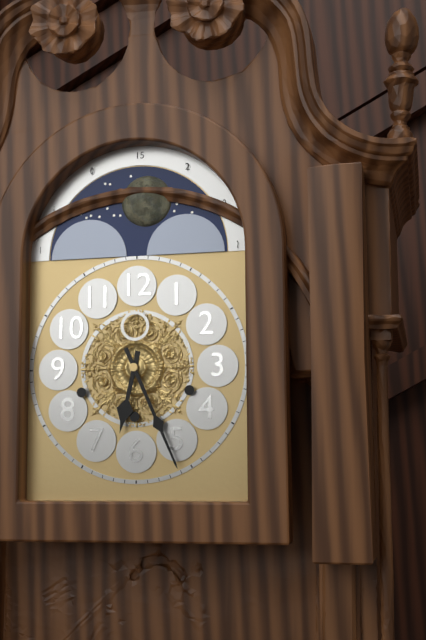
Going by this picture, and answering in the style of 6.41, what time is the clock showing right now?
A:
6.26
